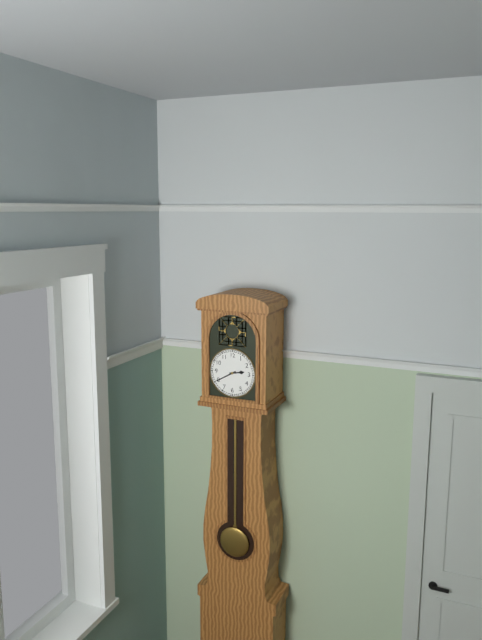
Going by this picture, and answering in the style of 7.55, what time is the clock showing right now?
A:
2.40
